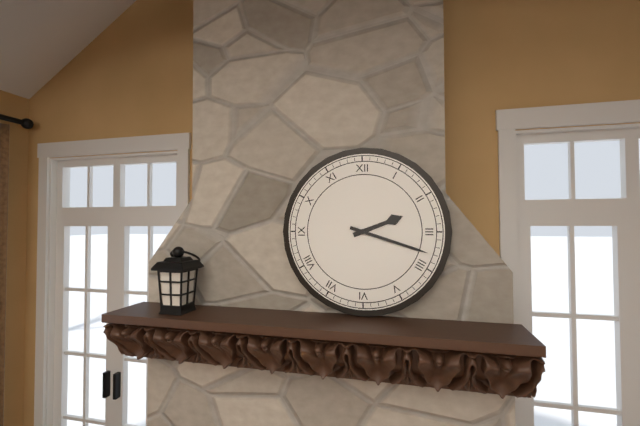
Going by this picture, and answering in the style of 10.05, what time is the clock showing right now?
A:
2.18
